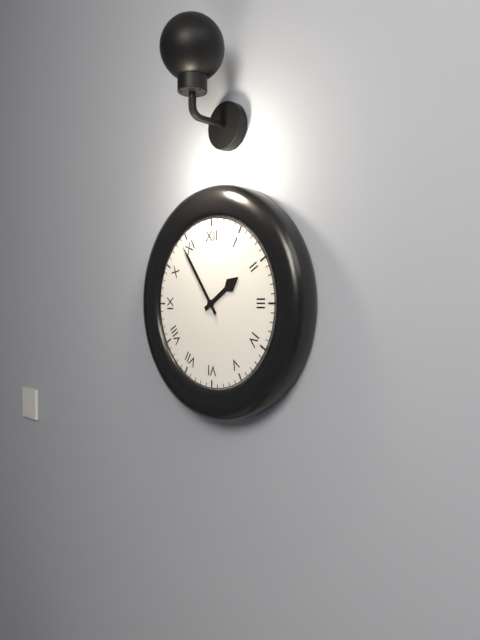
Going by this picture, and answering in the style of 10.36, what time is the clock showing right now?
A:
1.54
